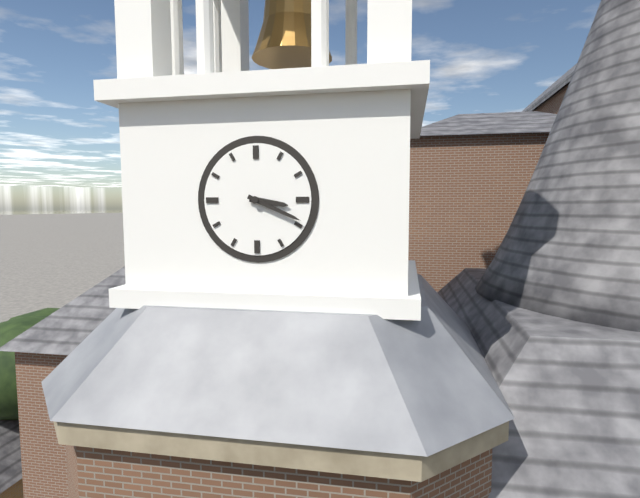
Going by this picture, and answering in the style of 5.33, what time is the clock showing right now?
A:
3.19
